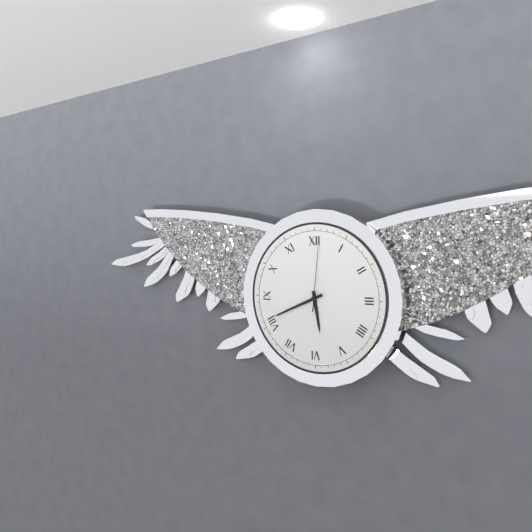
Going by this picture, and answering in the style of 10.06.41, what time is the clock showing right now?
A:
5.41.01
